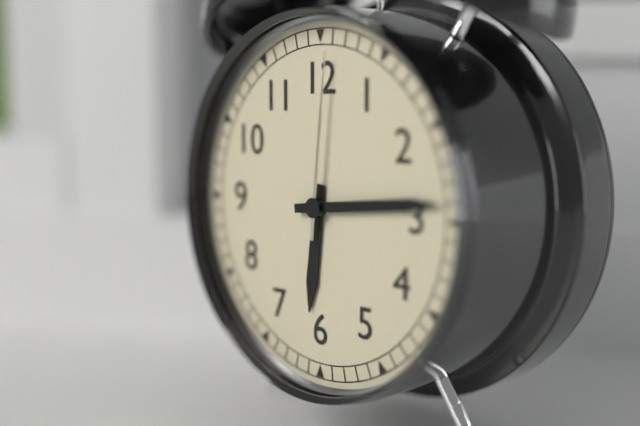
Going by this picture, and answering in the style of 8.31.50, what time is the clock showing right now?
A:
6.14.01
